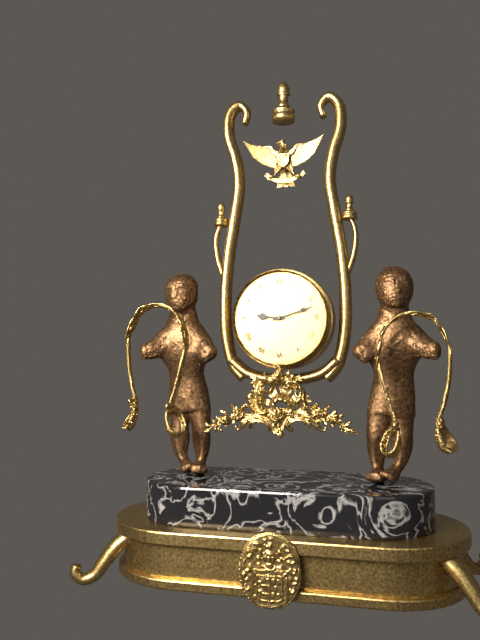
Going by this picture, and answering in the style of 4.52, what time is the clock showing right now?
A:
9.12
